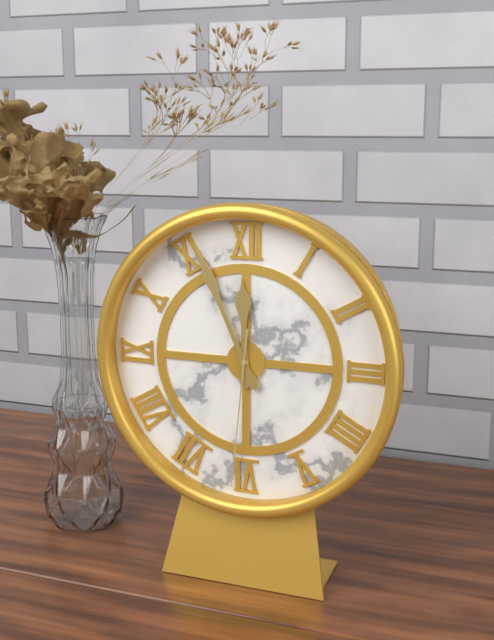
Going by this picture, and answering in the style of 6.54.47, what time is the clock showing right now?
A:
11.56.31
